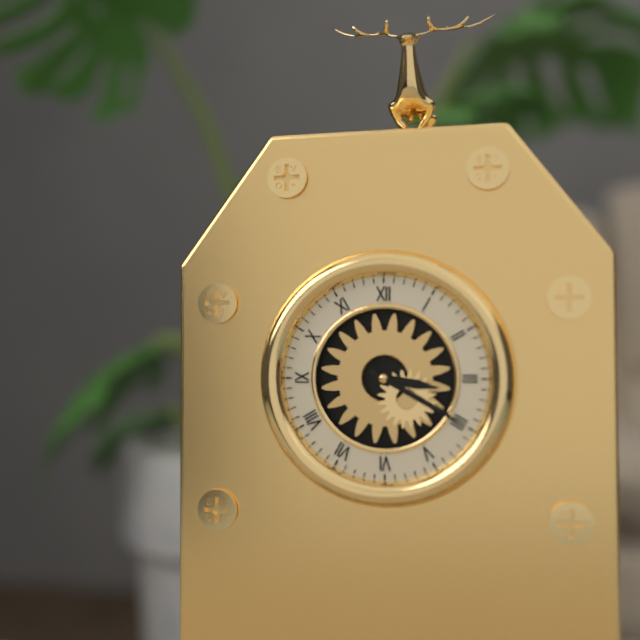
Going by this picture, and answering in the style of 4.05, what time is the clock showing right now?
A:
3.20
